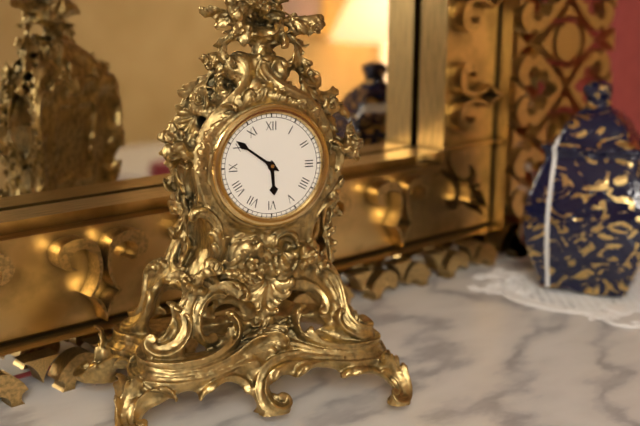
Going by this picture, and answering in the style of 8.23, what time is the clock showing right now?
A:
5.51
